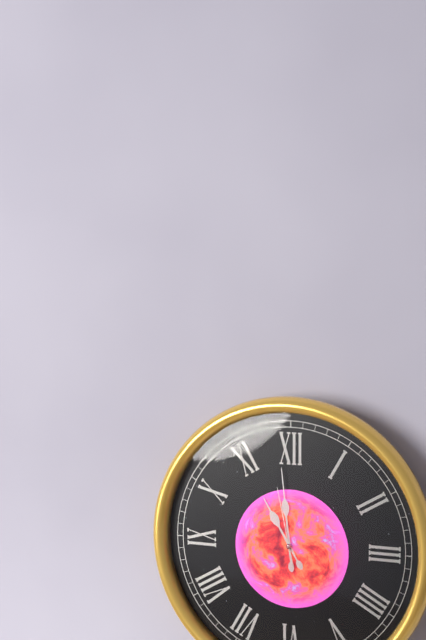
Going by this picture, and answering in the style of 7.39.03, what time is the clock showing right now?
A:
10.59.58
